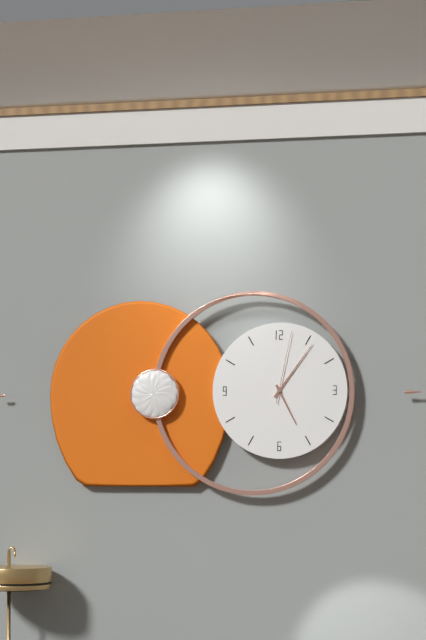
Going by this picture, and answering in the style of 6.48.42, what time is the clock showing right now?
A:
5.06.02
